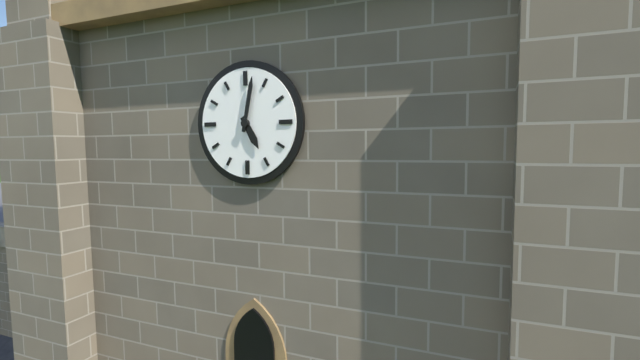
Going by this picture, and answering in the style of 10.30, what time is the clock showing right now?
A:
5.02
